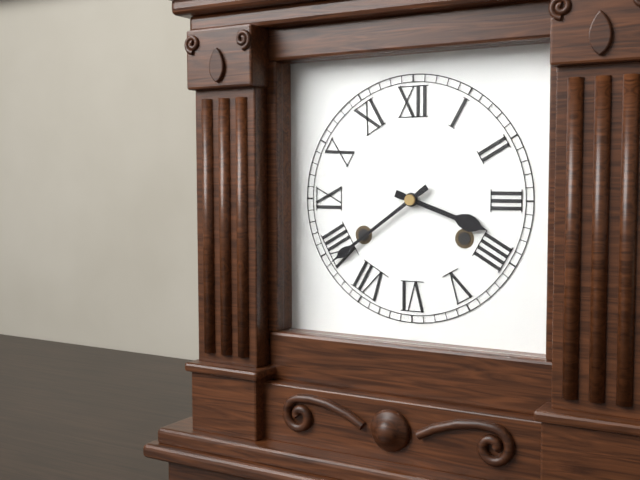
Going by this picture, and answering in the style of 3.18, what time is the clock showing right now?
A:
3.39
